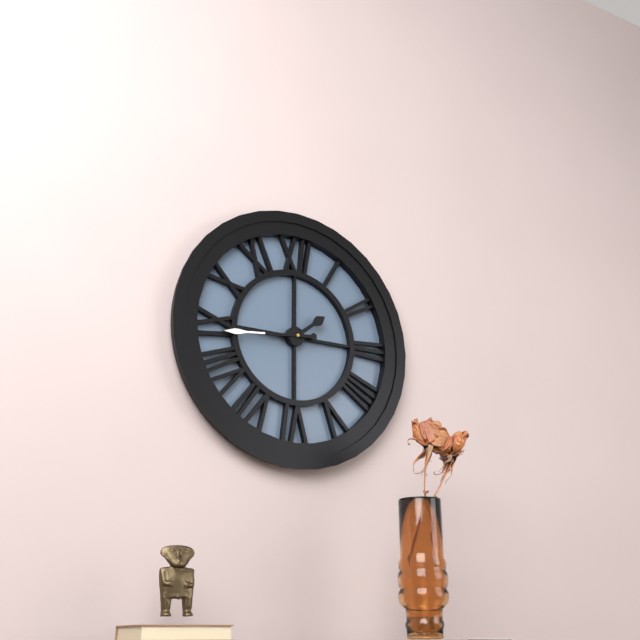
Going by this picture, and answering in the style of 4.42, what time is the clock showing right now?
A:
1.44
